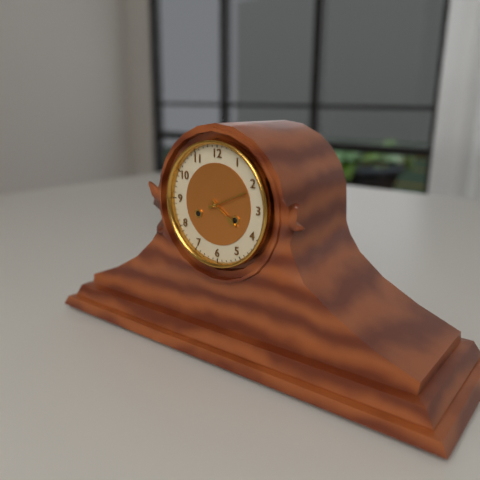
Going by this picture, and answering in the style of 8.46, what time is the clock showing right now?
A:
4.11
